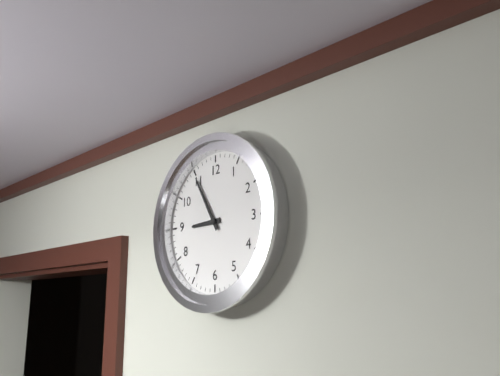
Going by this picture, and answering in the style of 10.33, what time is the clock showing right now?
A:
8.55
